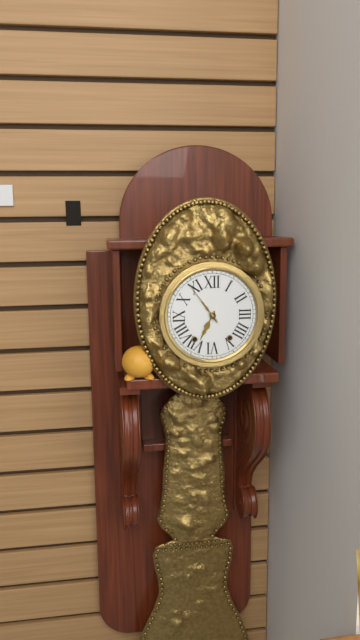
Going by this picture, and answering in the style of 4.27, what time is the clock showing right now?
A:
6.54
